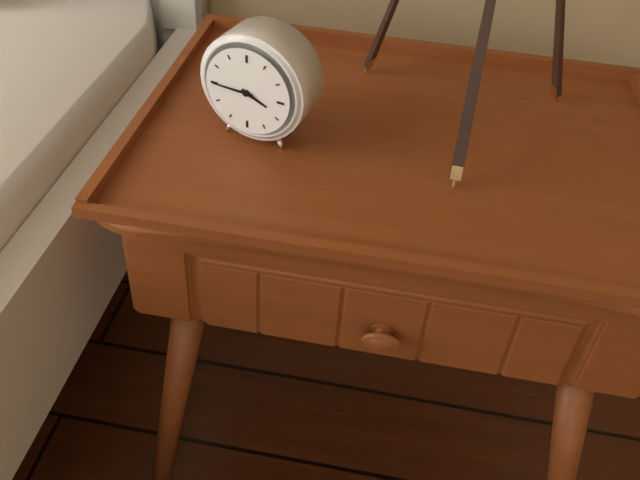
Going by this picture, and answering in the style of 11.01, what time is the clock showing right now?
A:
3.45
